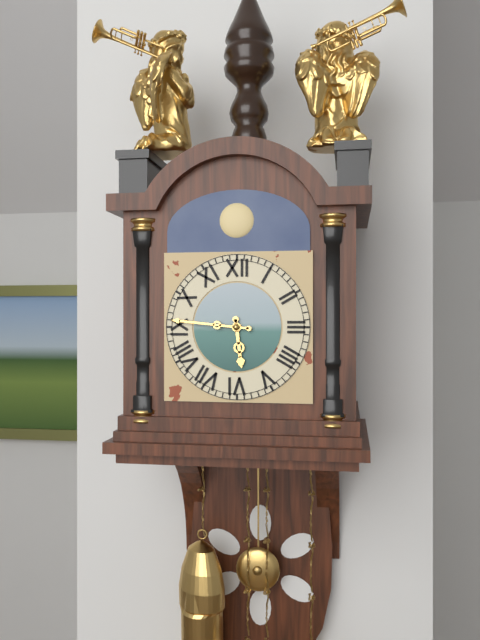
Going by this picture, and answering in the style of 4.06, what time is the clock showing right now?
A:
5.46
